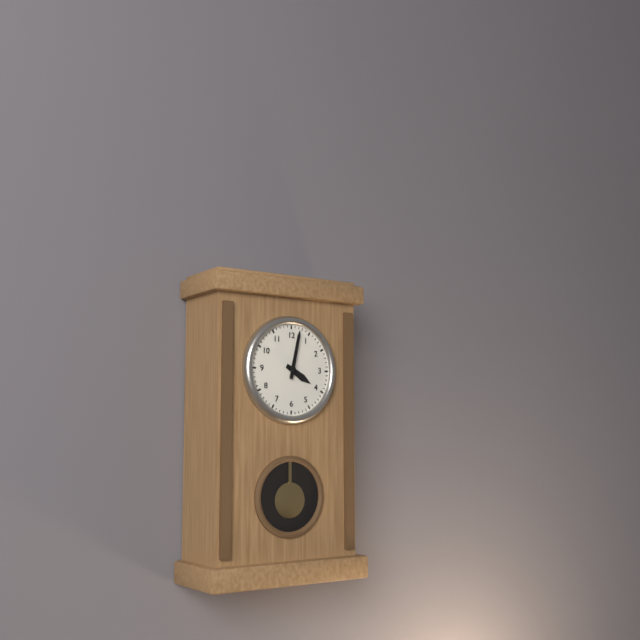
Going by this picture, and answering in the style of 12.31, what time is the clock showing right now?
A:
4.02
